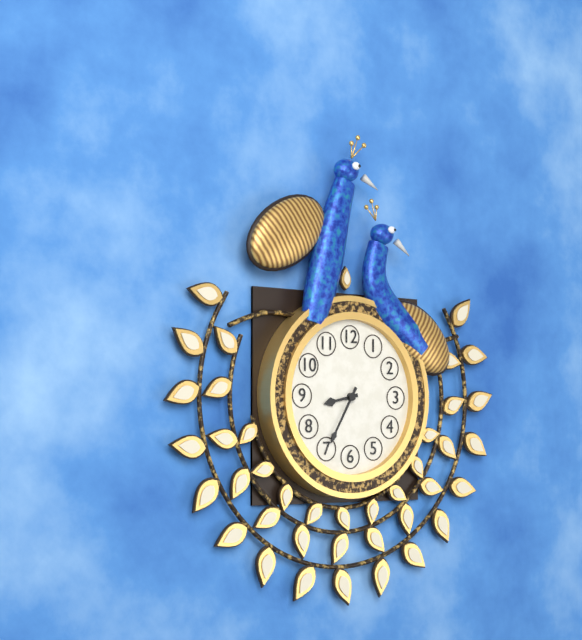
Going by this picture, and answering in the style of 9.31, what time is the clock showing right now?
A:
8.35
